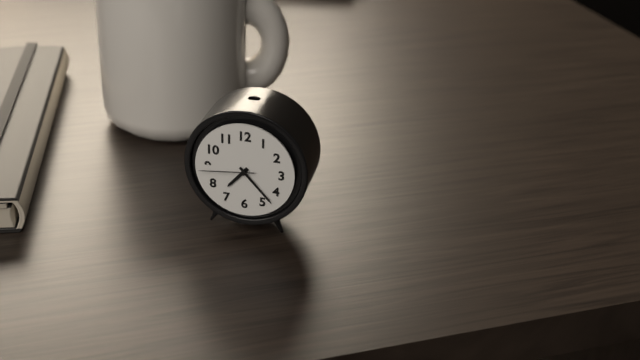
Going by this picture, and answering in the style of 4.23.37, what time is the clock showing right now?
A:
7.23.44
